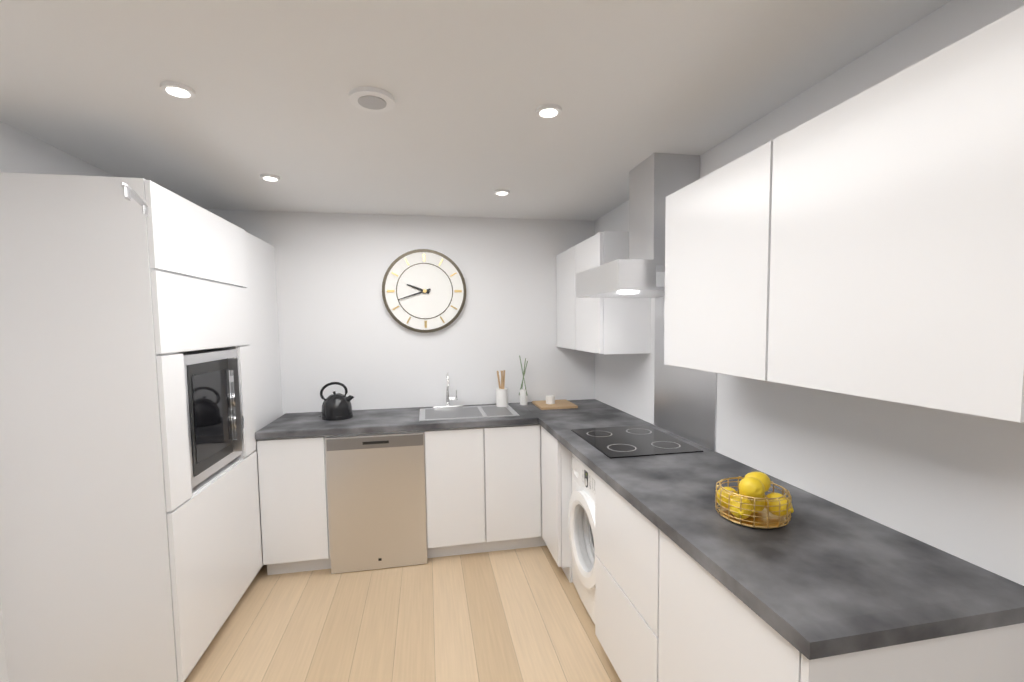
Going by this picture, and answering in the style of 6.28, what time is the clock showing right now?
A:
9.42
